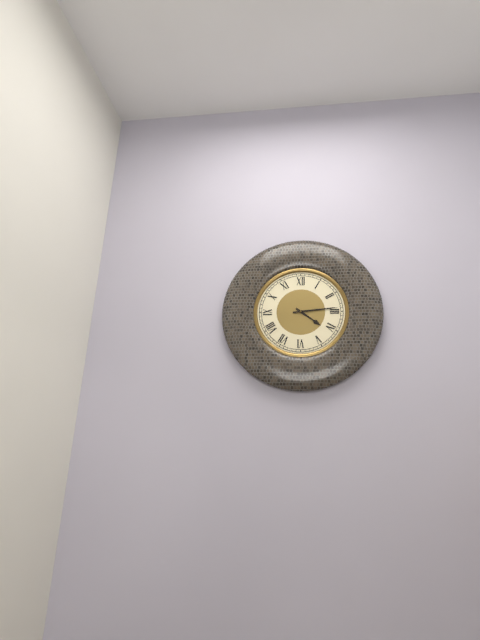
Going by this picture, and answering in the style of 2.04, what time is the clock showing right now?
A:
4.14
